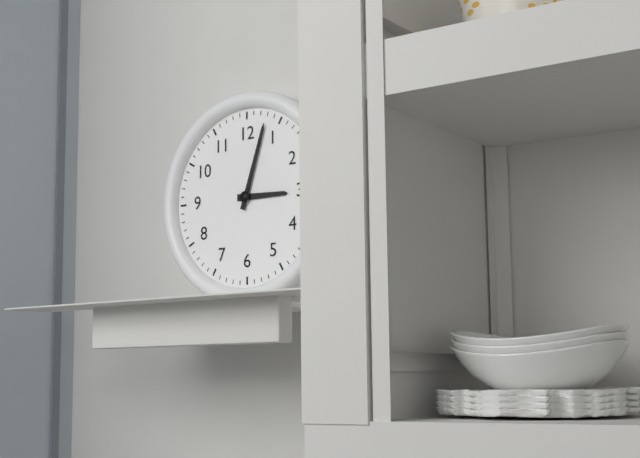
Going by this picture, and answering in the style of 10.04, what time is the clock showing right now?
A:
3.03
